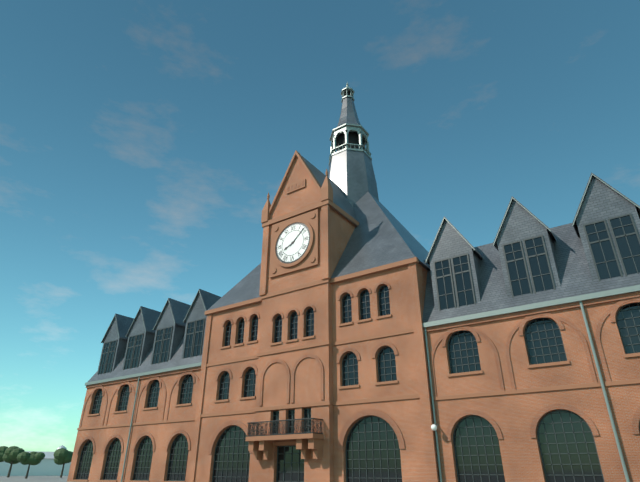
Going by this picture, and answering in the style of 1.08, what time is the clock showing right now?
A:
8.08
